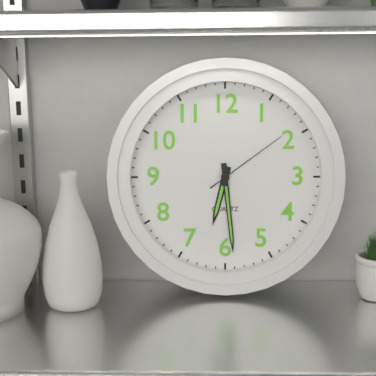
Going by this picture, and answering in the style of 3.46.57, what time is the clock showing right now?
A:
6.29.09
